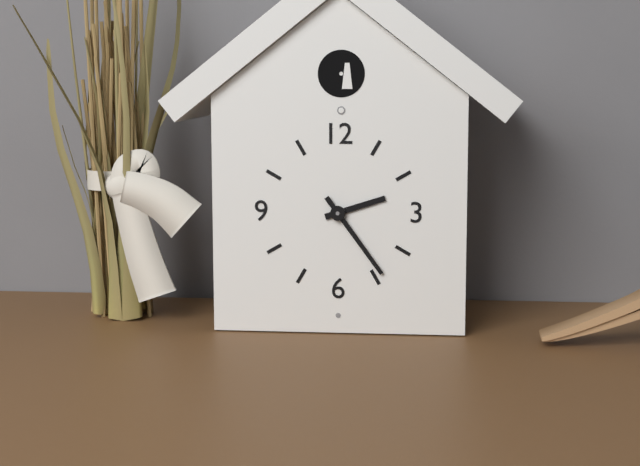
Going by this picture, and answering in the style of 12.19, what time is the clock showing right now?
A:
2.24
